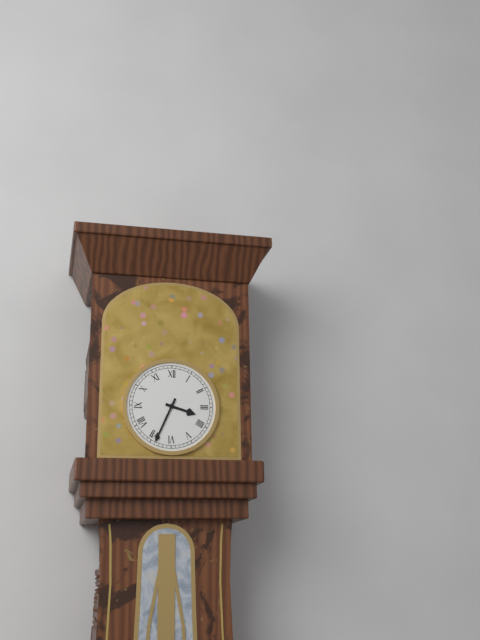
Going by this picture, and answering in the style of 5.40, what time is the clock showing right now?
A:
3.34
